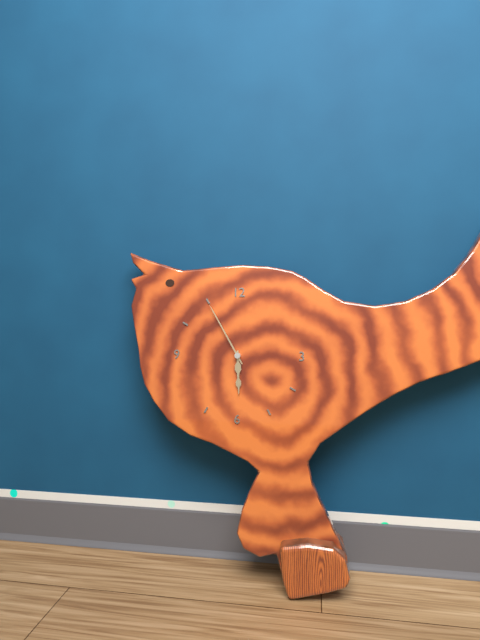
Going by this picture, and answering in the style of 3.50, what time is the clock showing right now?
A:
5.55
